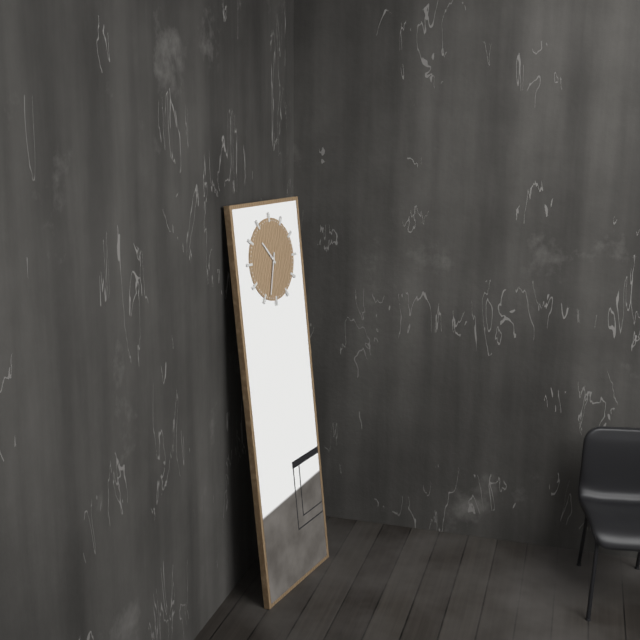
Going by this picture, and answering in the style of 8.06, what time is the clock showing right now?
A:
10.33
